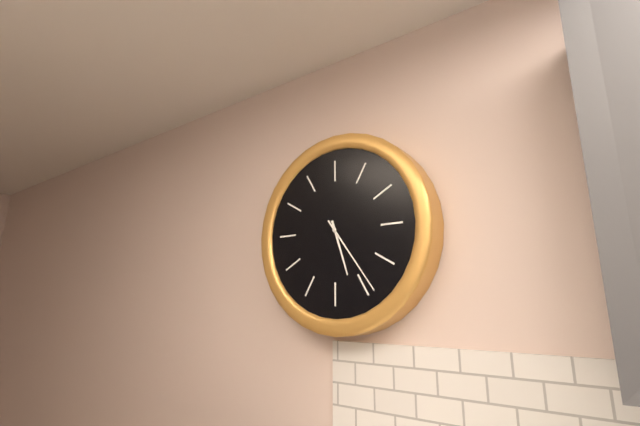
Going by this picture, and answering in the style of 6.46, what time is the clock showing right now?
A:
5.24
